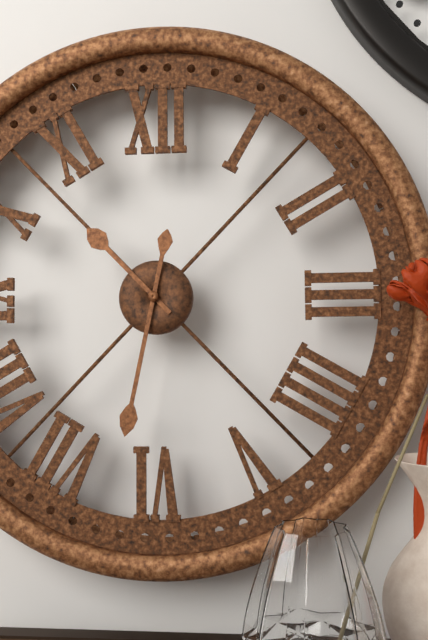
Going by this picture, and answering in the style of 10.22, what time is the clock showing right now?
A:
10.32
